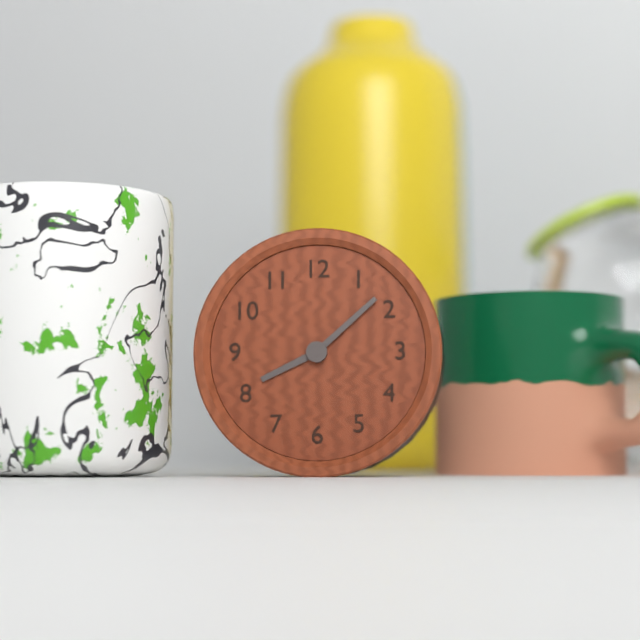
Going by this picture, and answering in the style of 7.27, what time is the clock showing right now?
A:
8.08
